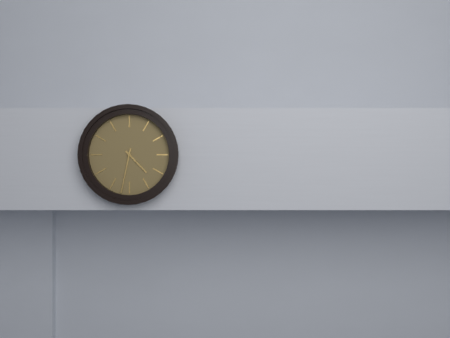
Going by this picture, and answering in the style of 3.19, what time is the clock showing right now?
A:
4.32
